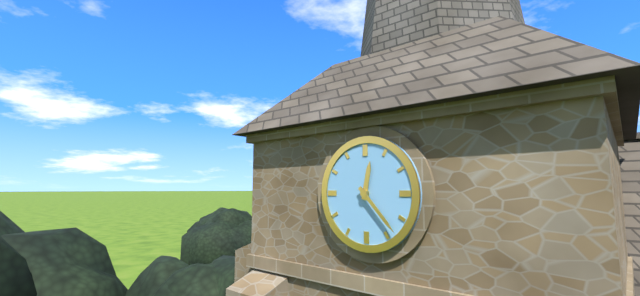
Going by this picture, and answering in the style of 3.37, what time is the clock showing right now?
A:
12.23
